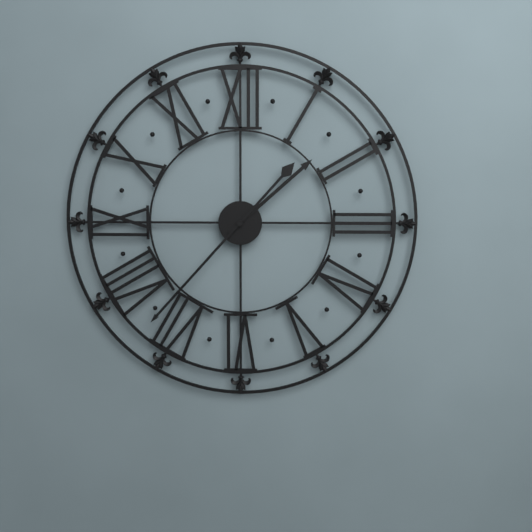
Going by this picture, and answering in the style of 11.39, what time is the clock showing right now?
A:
1.37
